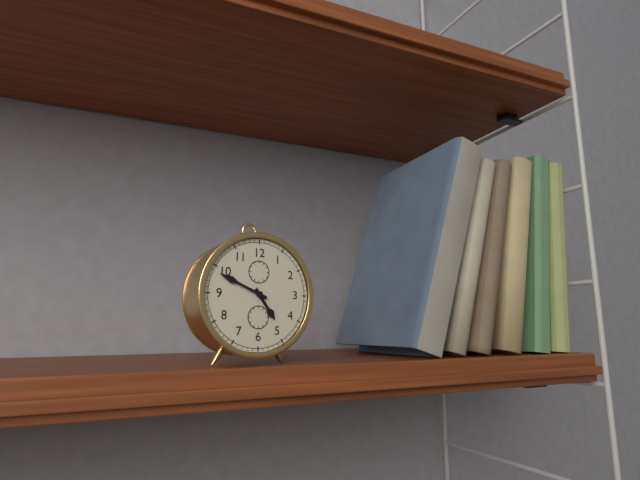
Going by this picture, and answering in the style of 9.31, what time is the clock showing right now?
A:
4.49
